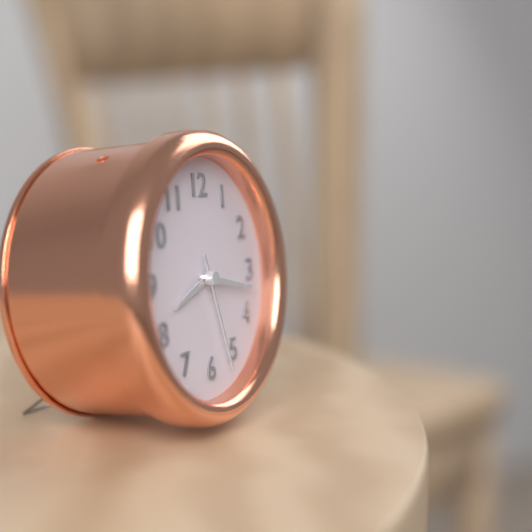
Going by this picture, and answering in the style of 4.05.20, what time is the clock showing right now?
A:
8.17.27
